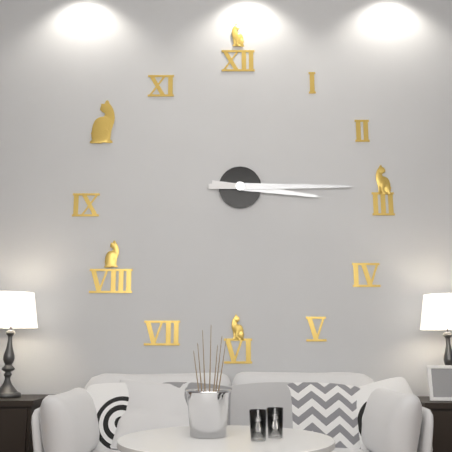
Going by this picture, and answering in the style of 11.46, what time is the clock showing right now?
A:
3.15
